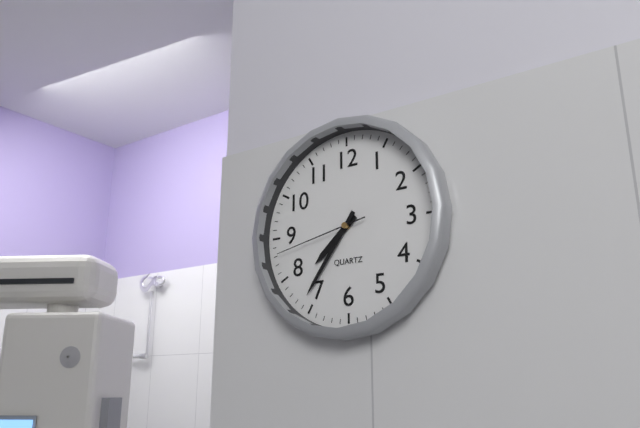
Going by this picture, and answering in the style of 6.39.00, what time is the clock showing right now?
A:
7.36.43
